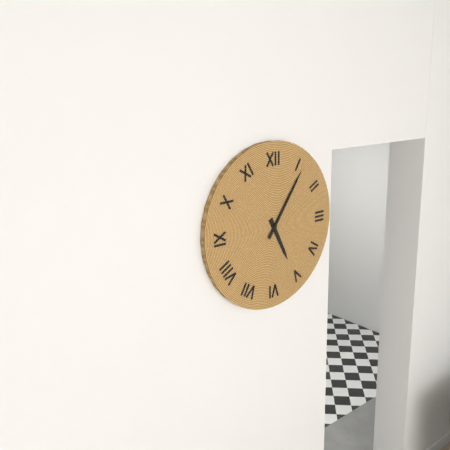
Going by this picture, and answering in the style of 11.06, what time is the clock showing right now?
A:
5.06
